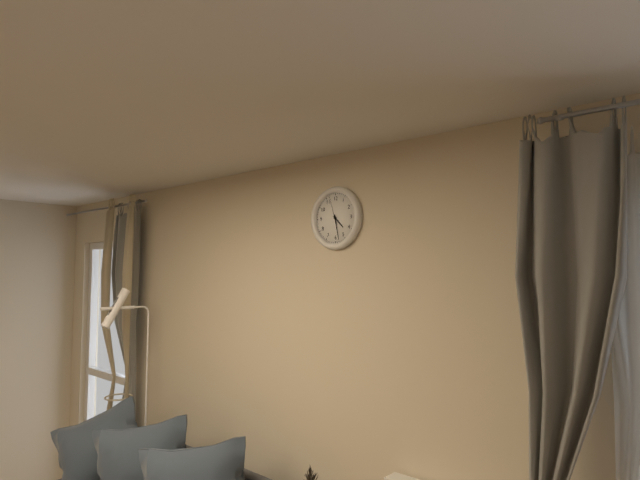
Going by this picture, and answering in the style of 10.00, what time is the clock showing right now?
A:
4.28
